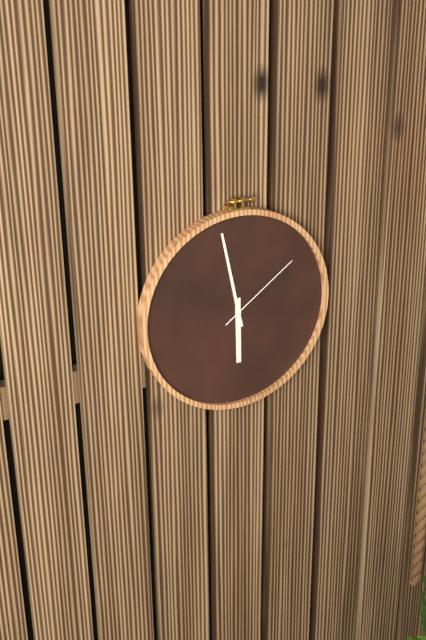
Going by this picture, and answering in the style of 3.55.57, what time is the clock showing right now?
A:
5.58.09
